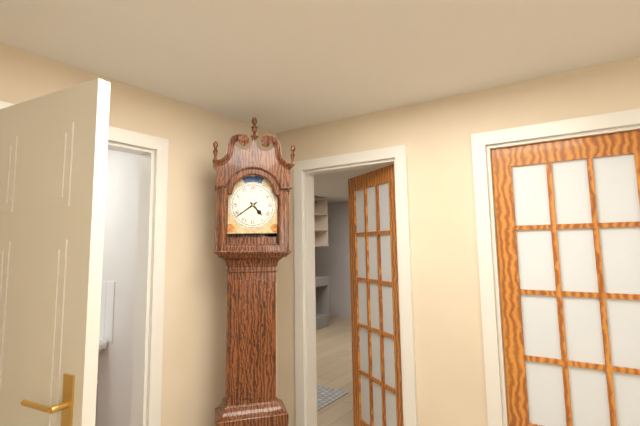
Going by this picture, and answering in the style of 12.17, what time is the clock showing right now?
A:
4.39
